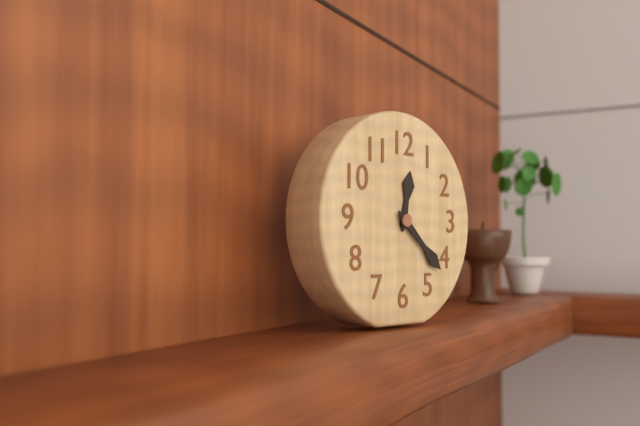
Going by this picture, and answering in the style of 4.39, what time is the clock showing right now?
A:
12.22
